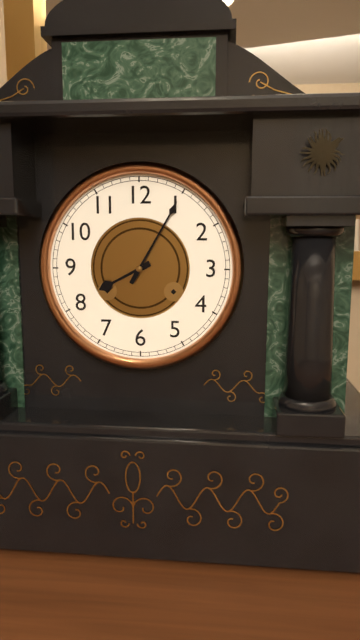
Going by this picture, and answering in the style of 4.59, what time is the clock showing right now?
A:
8.05
